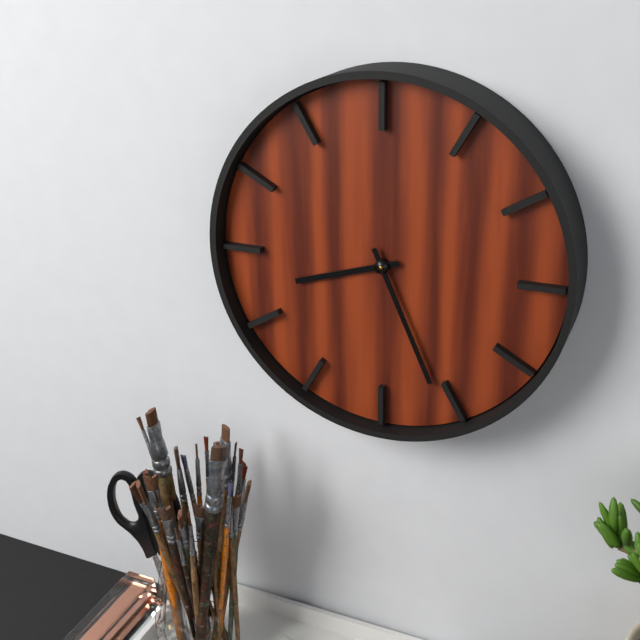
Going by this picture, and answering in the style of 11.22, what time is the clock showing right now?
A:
8.26
